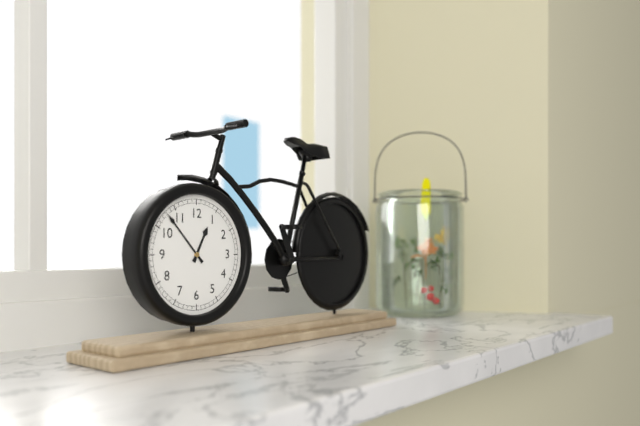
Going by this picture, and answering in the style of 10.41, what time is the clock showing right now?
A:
12.53
